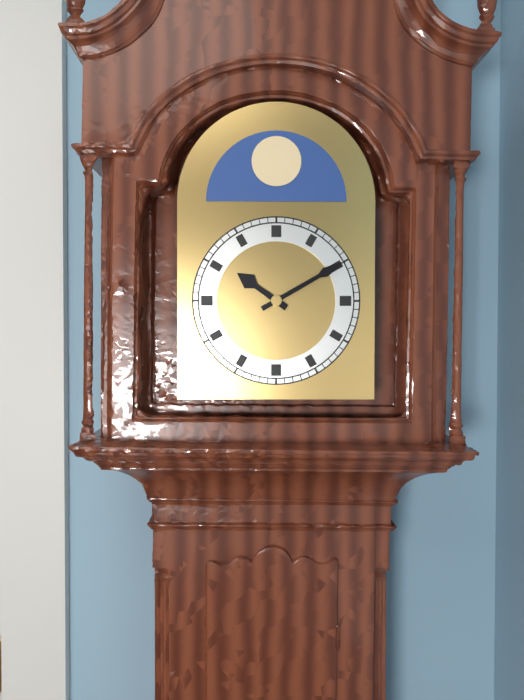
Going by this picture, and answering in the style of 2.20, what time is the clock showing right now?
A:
10.10
